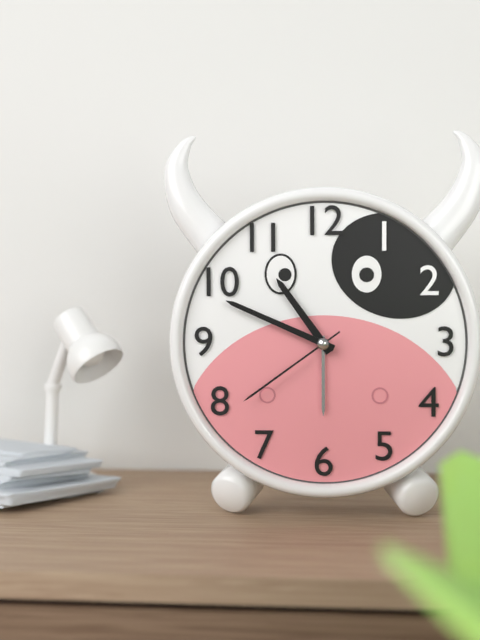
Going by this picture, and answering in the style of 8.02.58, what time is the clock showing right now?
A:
10.49.39
